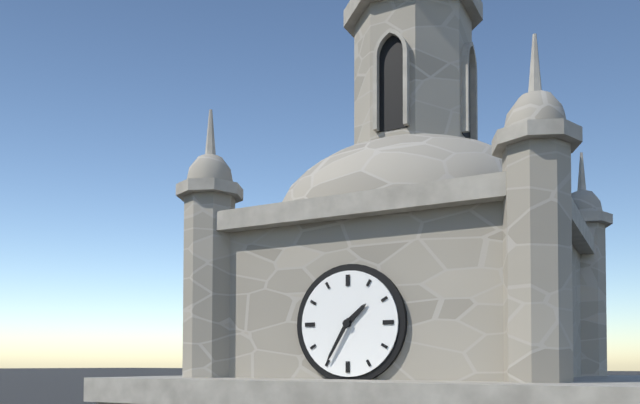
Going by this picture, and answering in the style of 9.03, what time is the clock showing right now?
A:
1.35
